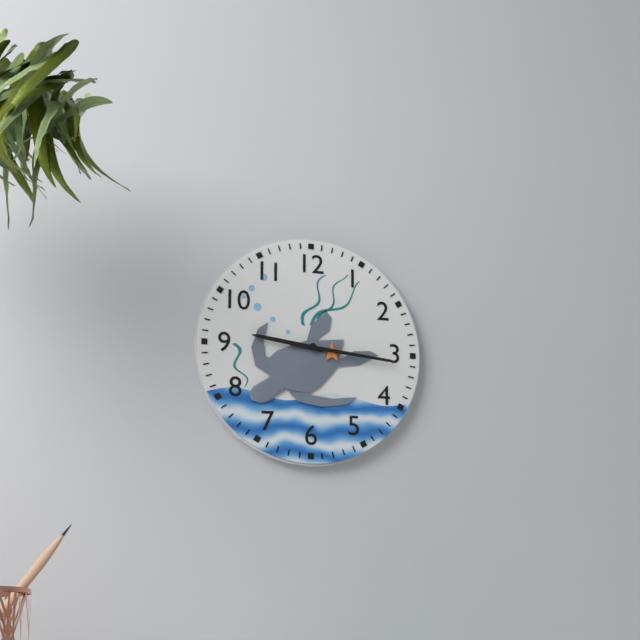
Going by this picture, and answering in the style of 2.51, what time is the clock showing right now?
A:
9.16
